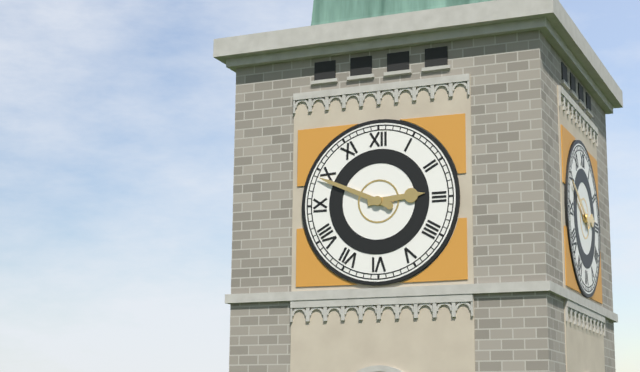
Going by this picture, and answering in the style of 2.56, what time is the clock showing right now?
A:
2.49
